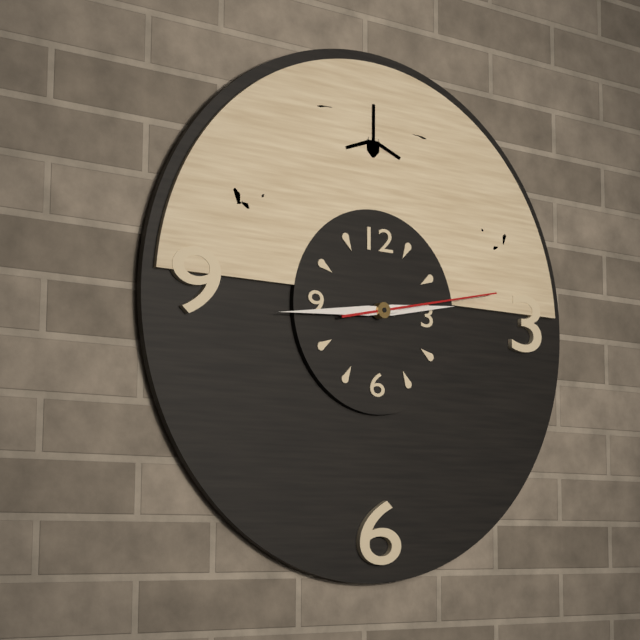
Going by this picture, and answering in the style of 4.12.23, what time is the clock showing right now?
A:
2.44.13
